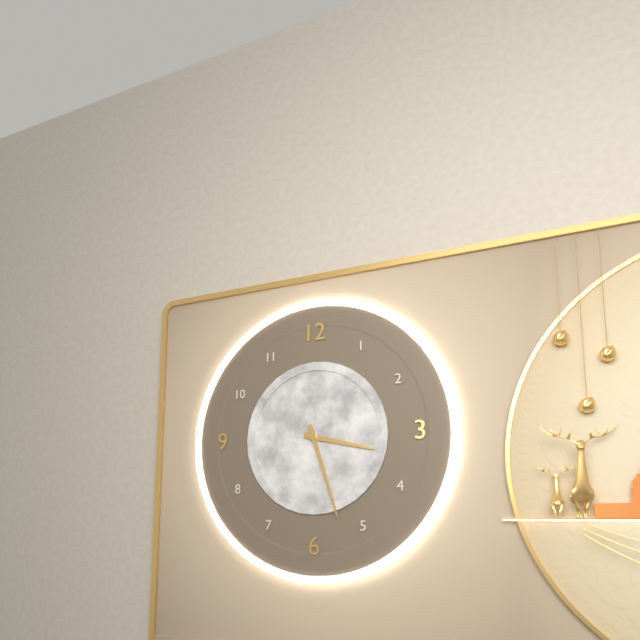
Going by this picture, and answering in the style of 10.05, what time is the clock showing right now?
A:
3.27
